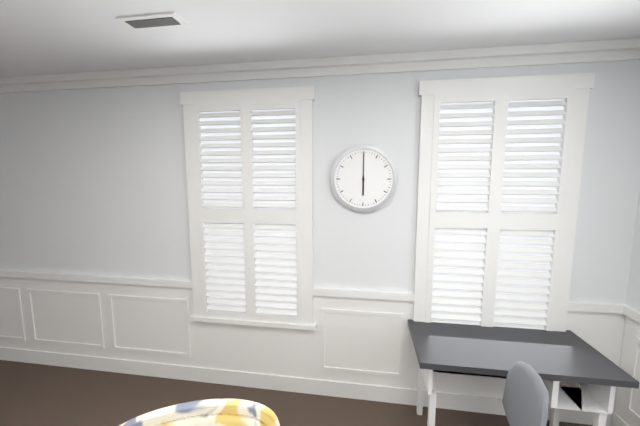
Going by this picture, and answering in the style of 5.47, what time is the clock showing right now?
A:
6.00
